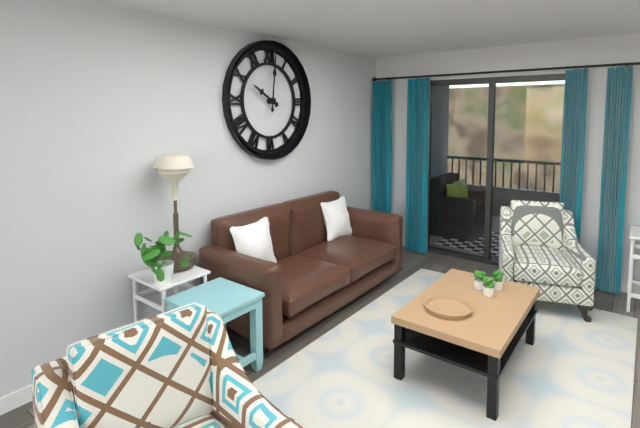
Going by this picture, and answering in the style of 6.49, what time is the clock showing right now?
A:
10.01
